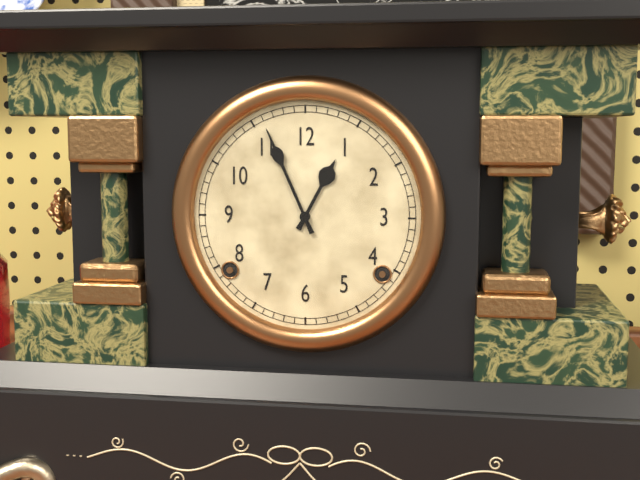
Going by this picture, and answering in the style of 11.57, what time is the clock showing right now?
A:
12.56
